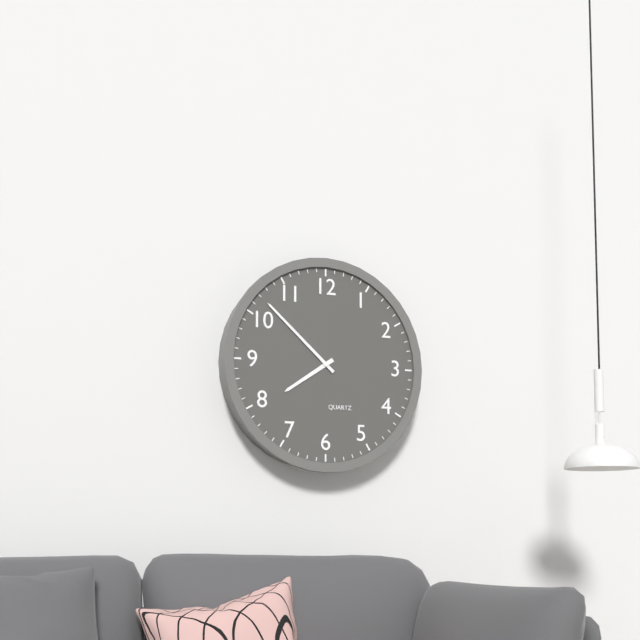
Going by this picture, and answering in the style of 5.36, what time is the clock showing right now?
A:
7.52
